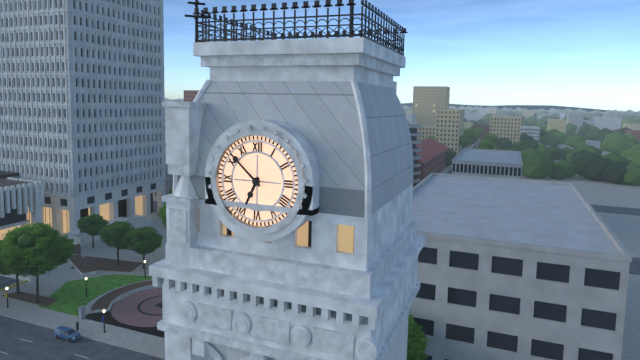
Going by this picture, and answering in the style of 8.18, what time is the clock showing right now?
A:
6.52
